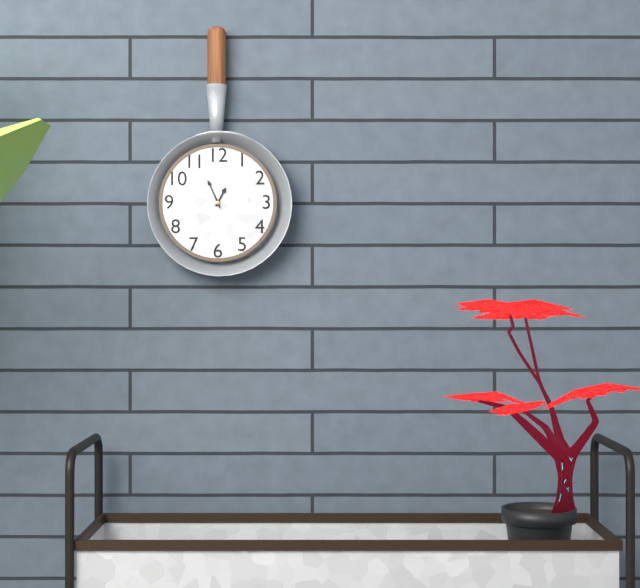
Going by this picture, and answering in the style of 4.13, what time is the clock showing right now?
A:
12.56
